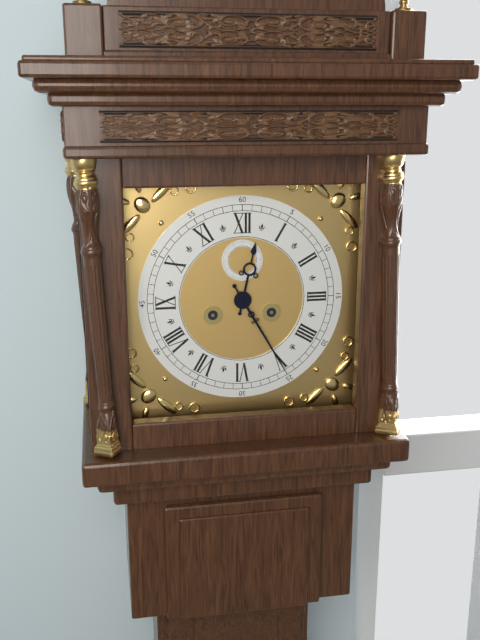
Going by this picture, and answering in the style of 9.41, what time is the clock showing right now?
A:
12.25
